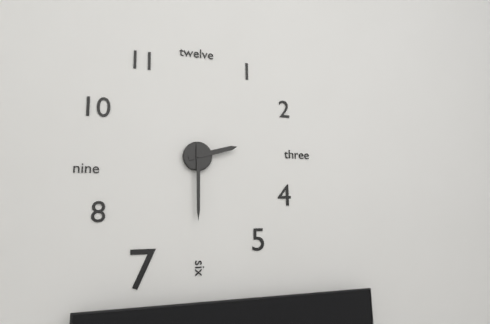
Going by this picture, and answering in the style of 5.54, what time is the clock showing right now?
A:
2.30
